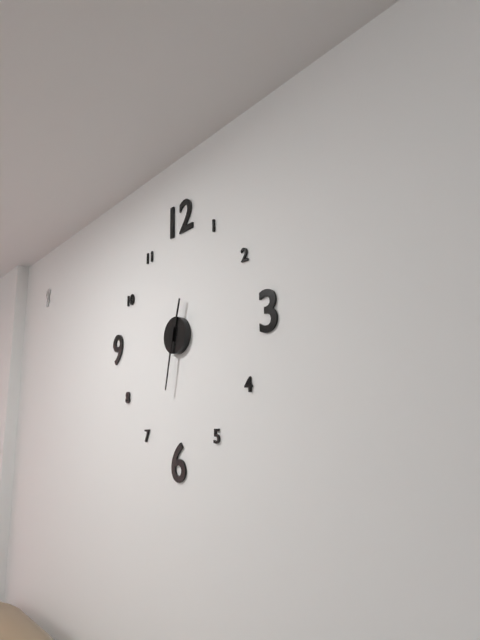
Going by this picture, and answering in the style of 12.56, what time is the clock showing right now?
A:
12.32
